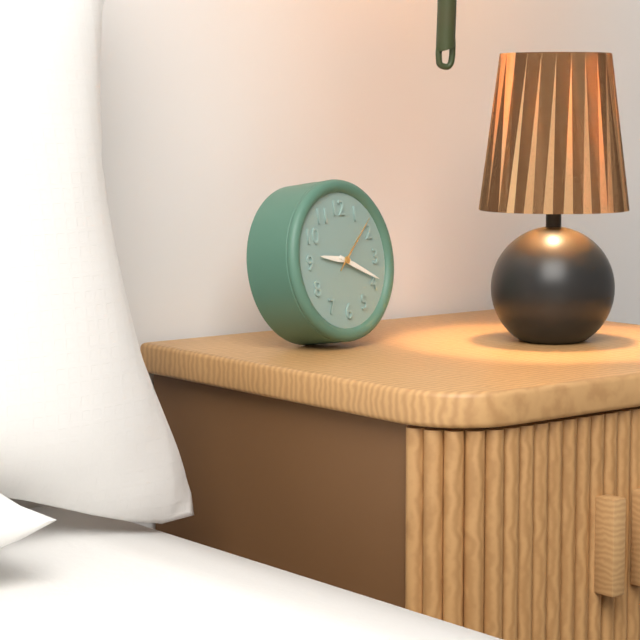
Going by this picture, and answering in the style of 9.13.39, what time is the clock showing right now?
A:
9.19.08
